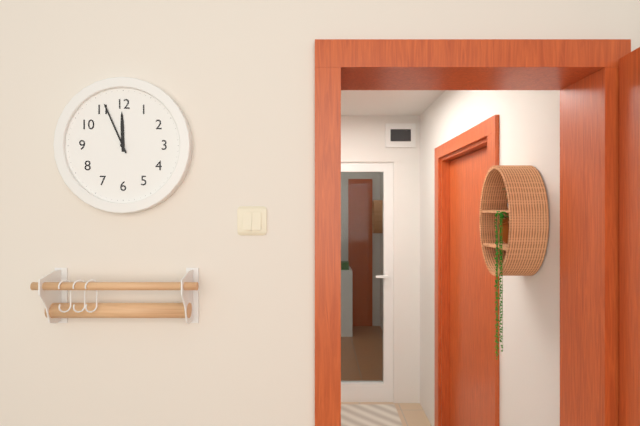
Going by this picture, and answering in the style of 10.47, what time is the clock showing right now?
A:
11.56
